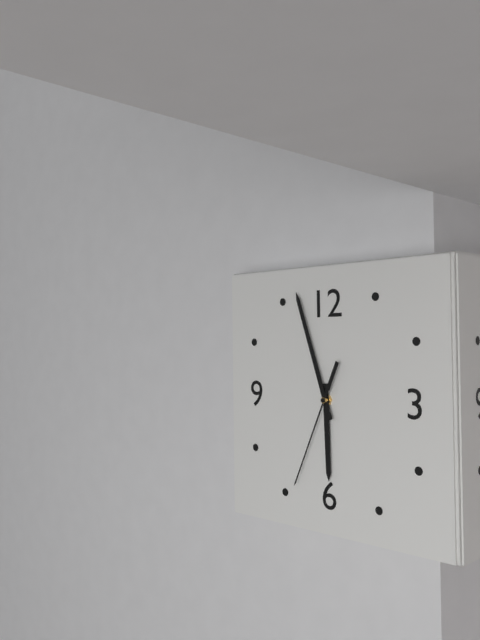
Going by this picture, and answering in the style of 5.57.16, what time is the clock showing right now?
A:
5.57.34
